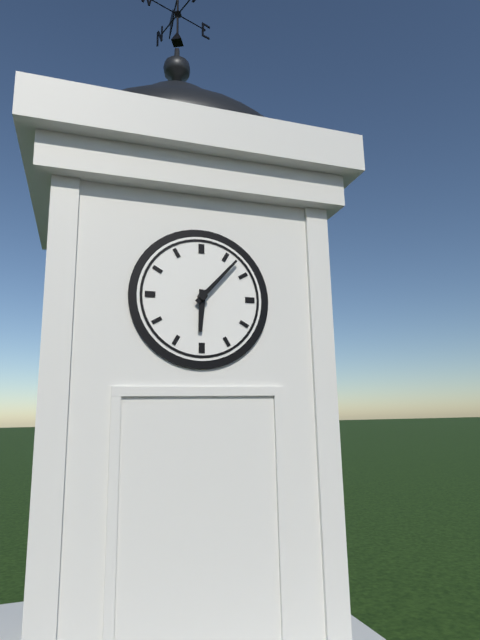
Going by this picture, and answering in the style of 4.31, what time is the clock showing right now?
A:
6.07
